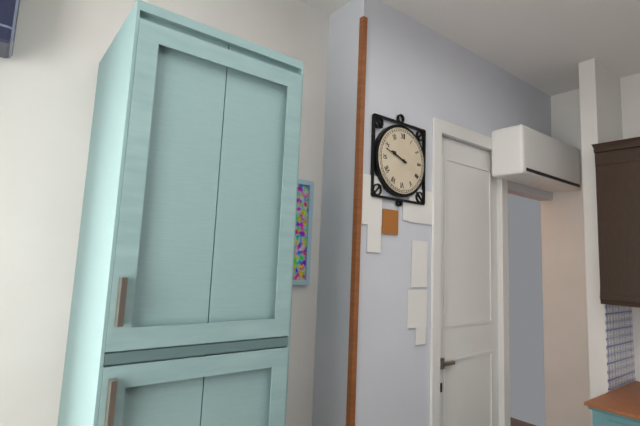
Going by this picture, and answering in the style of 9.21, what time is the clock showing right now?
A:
9.48
